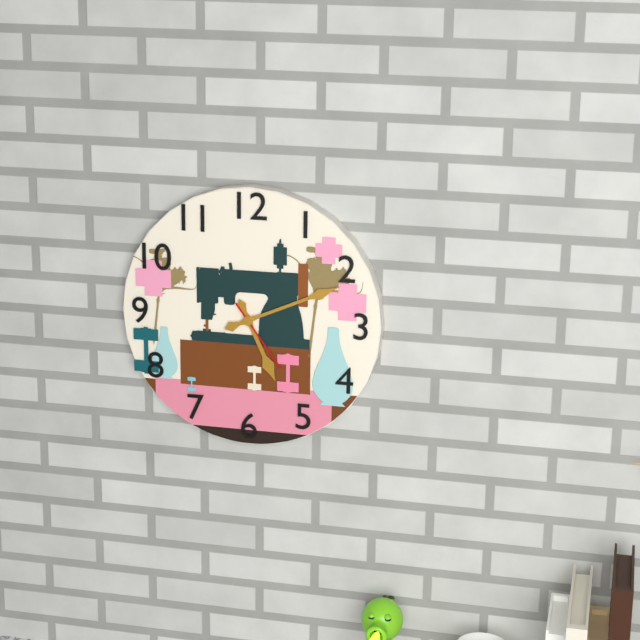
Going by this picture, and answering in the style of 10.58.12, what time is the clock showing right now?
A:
5.11.24
